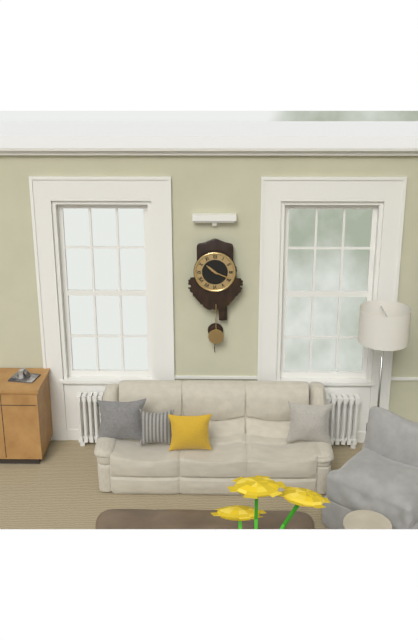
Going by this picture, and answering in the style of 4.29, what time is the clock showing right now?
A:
10.19
